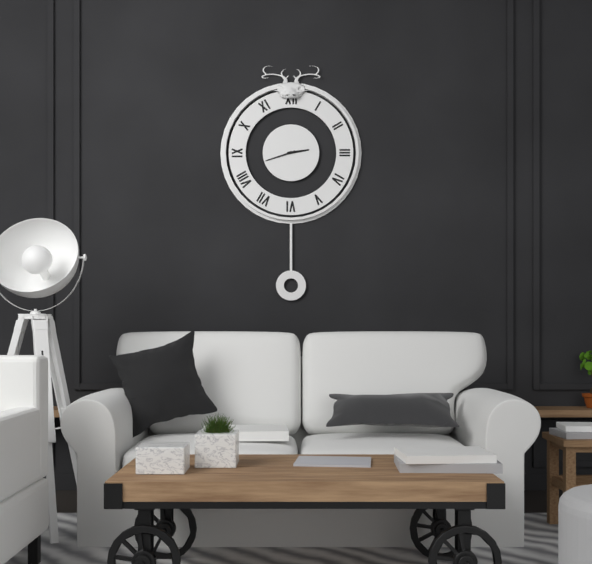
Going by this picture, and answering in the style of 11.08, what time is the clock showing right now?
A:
2.42
